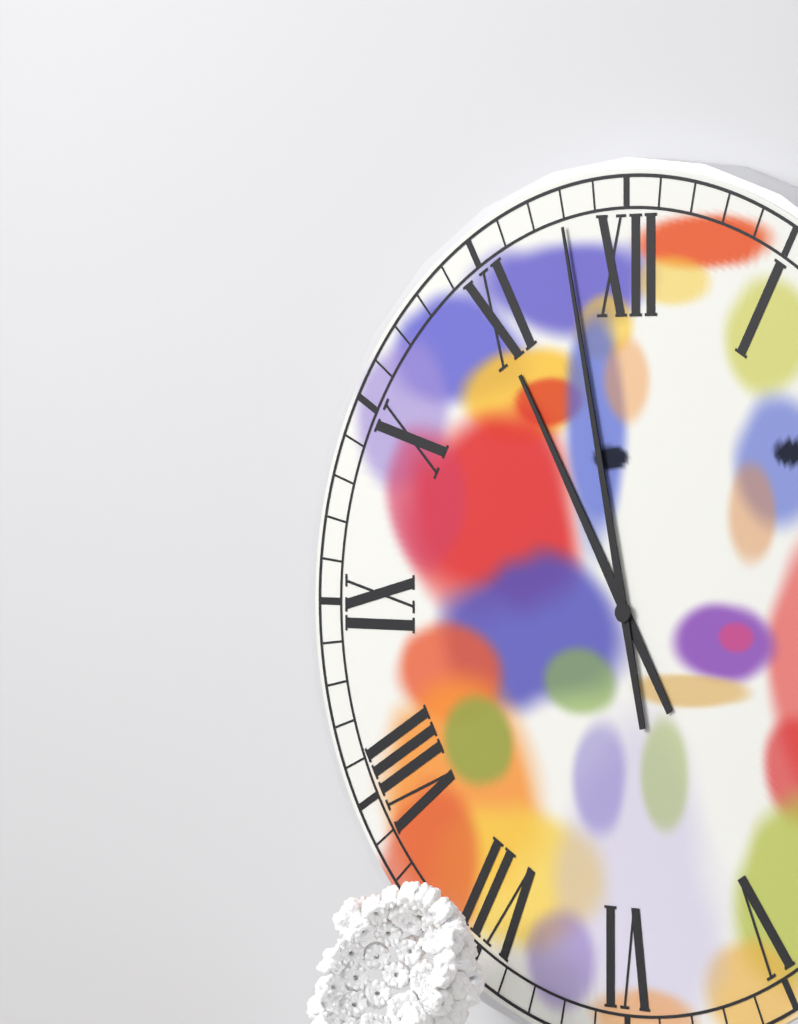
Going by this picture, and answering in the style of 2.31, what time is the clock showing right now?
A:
10.58
